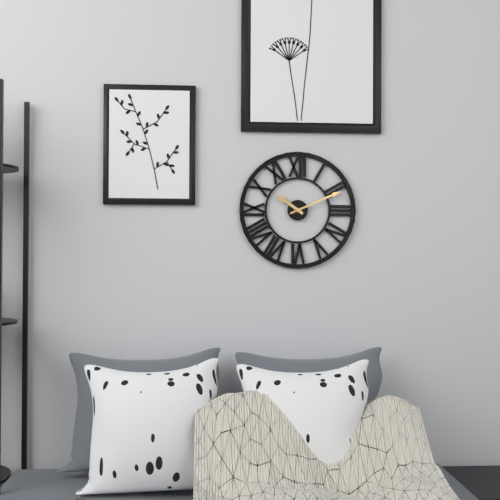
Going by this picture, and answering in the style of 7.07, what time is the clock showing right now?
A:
10.11
